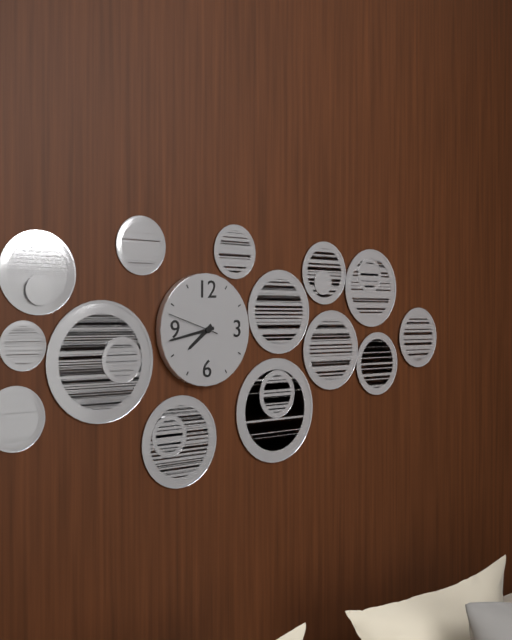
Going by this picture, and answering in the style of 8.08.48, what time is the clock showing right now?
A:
7.43.48
